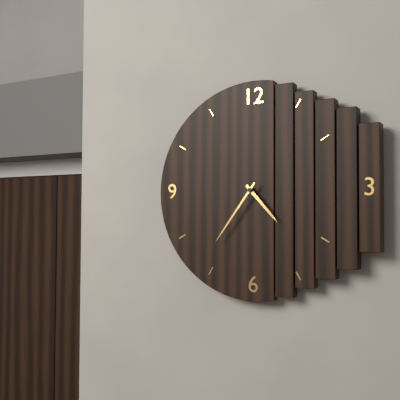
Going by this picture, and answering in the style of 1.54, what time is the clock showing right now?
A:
4.36
